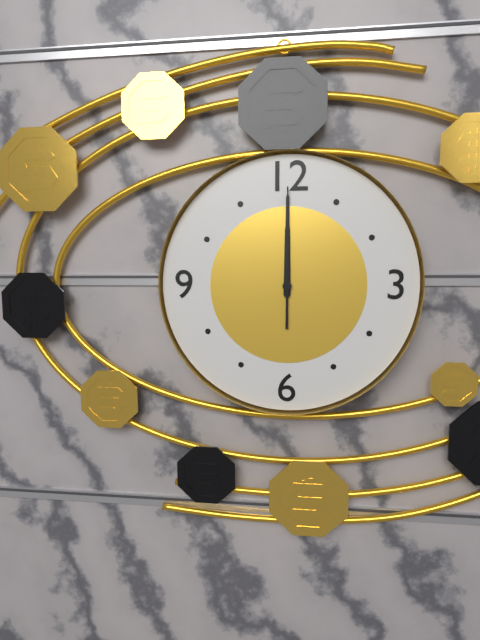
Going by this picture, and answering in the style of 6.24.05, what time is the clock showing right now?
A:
12.00.00
